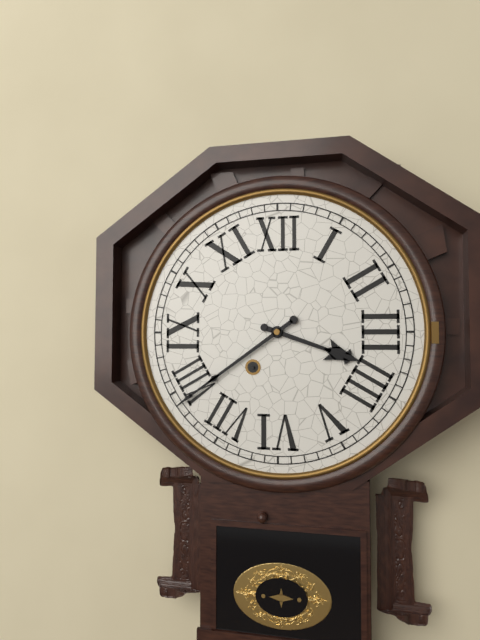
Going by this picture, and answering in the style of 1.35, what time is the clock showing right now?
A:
3.39
